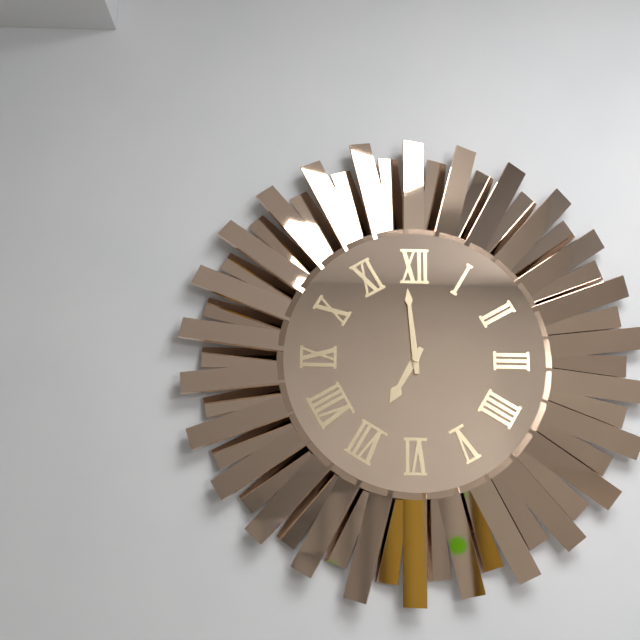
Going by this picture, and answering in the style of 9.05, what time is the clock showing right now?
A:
6.59
